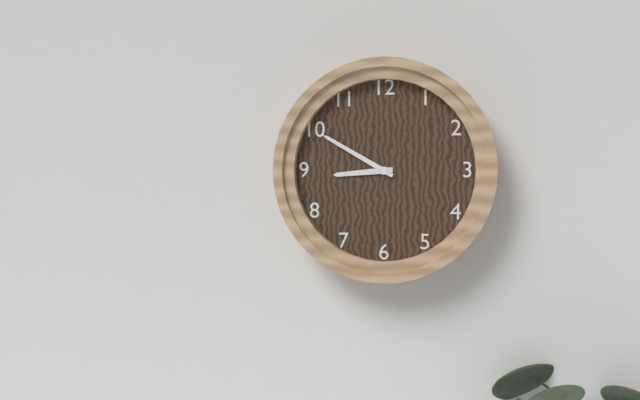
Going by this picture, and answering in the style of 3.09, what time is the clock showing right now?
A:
8.50
